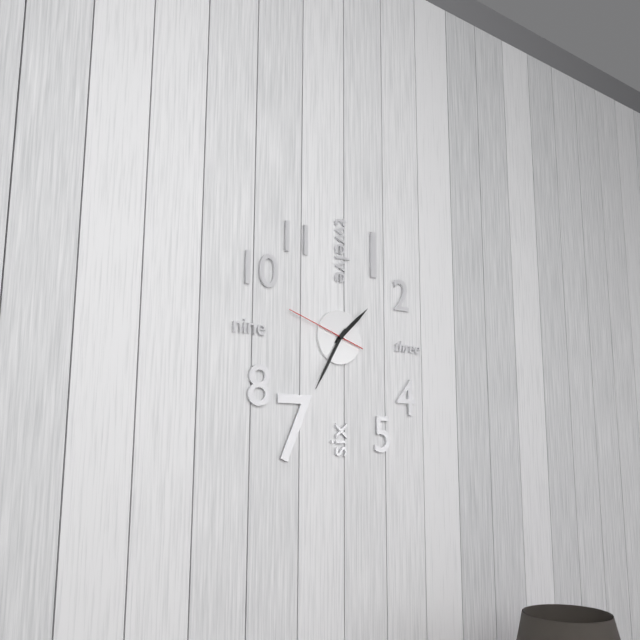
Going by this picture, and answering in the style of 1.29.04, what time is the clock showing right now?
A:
1.35.48
